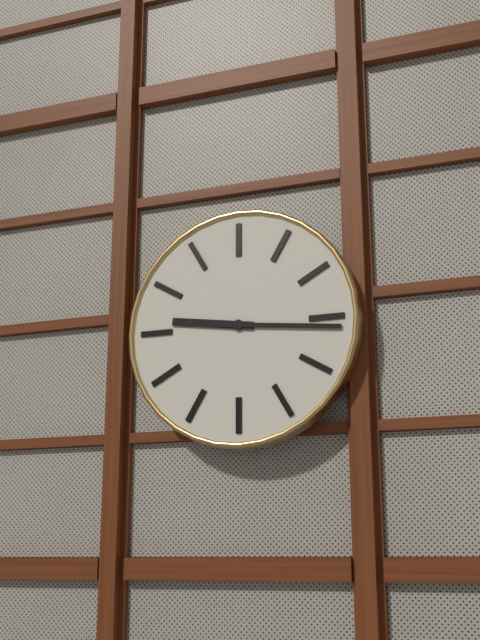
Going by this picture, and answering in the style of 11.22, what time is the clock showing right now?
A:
9.16
